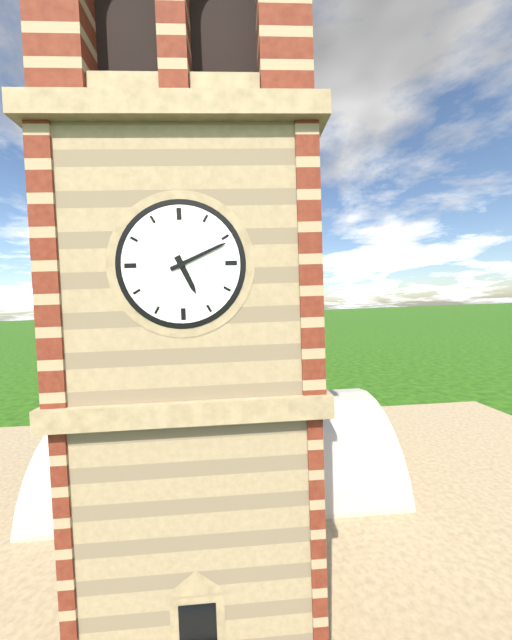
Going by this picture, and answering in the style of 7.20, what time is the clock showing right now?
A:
5.11
